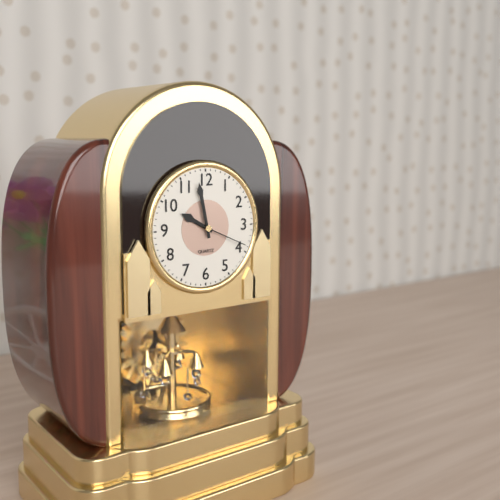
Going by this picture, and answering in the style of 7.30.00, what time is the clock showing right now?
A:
9.58.19
